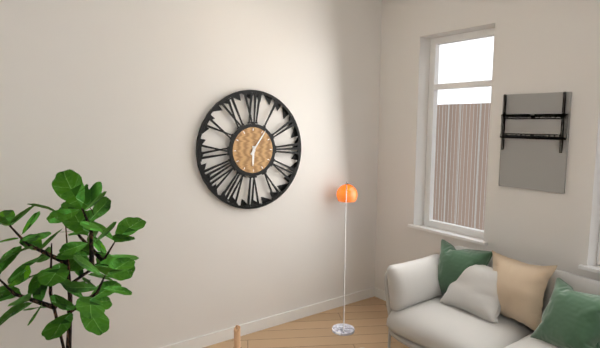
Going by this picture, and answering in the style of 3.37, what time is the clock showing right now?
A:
6.06
